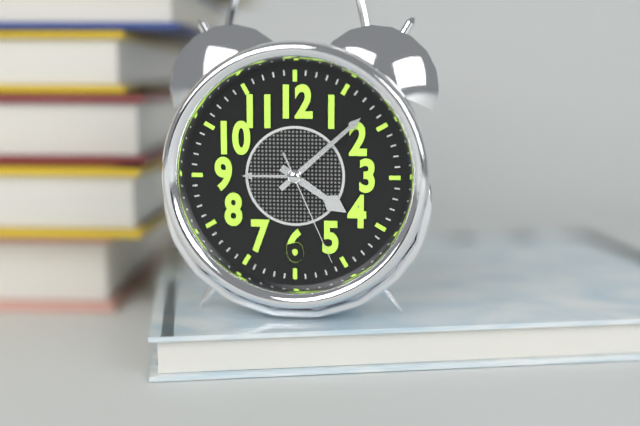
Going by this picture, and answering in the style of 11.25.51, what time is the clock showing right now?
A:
4.08.26
